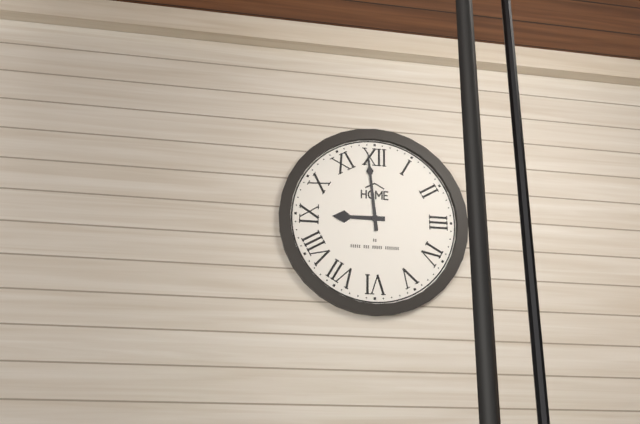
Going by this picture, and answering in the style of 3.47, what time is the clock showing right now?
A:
8.59
